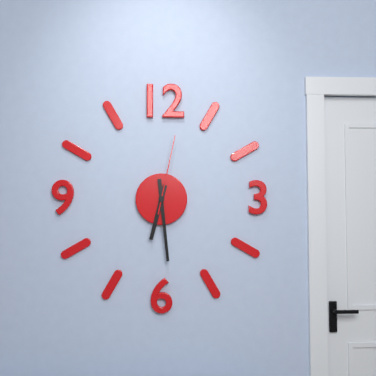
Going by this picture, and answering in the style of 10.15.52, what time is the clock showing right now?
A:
6.29.02
